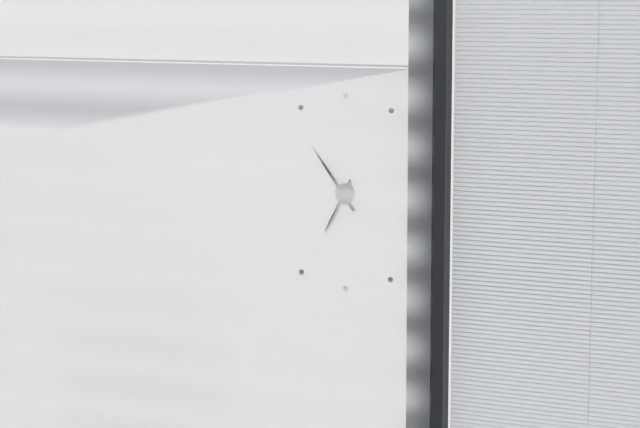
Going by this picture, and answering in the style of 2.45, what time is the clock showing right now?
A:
6.54
